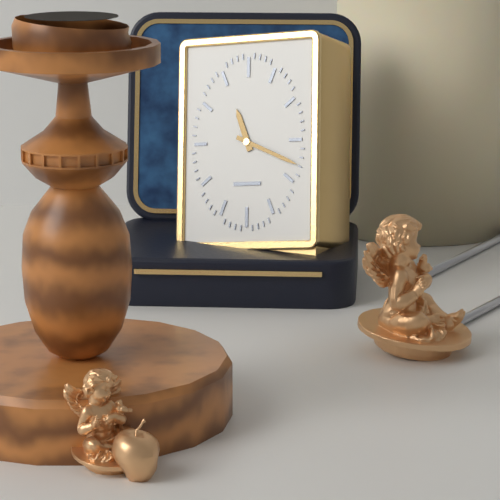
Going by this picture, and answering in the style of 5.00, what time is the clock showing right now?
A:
11.19
